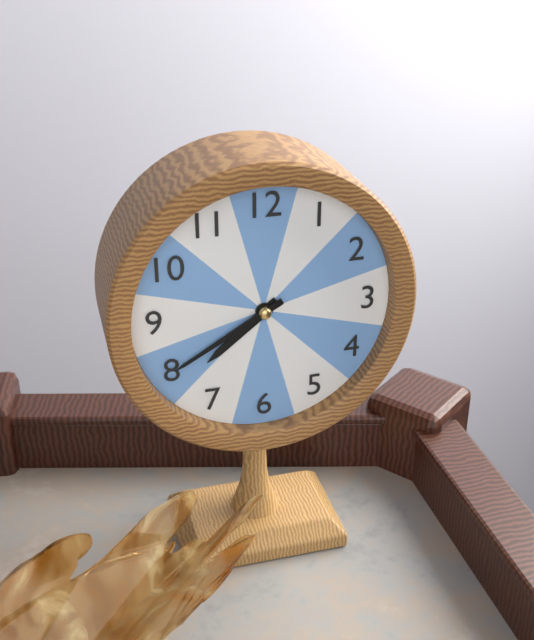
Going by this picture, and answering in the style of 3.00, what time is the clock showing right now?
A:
7.40
